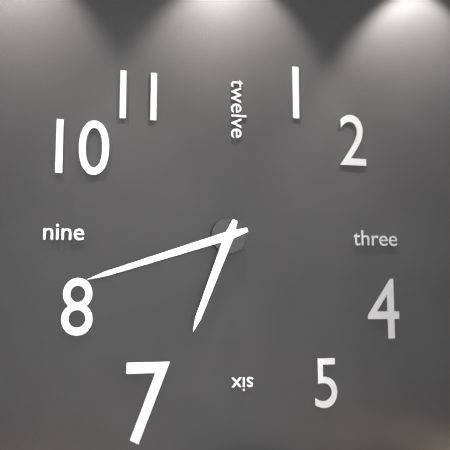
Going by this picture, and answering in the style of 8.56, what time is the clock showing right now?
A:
6.42
